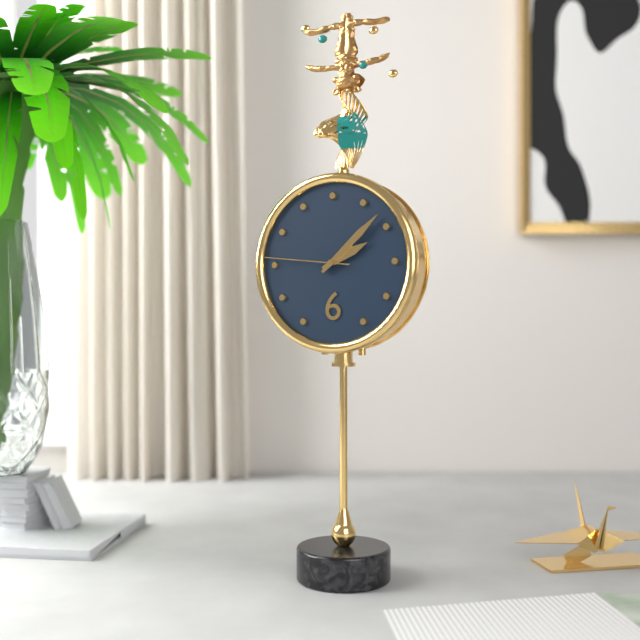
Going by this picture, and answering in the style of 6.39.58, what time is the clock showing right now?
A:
2.08.46
